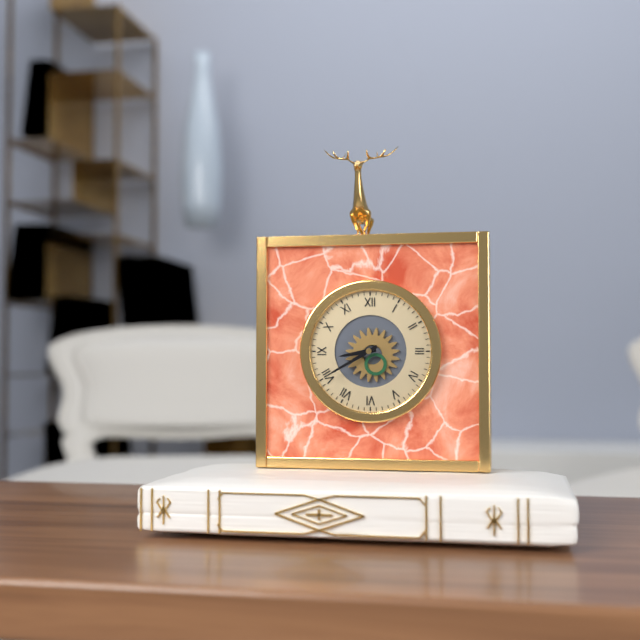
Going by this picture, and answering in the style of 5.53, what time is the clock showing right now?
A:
8.40
